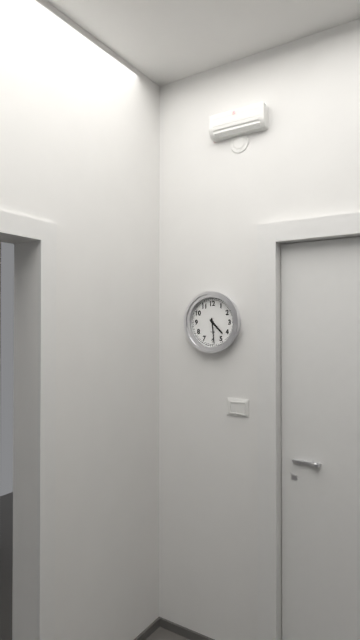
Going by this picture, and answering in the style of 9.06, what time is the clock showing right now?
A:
4.29
